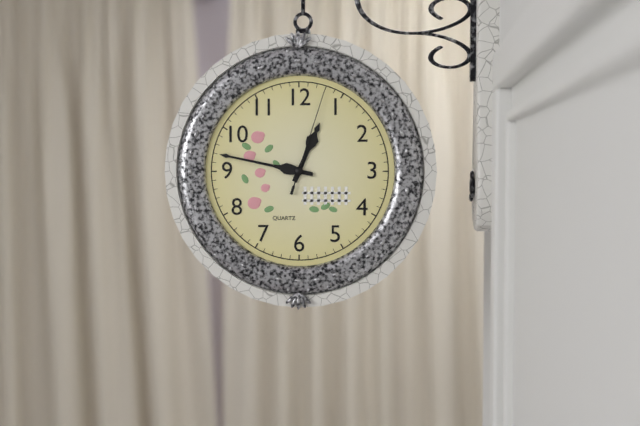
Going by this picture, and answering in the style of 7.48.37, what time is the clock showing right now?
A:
12.47.03
